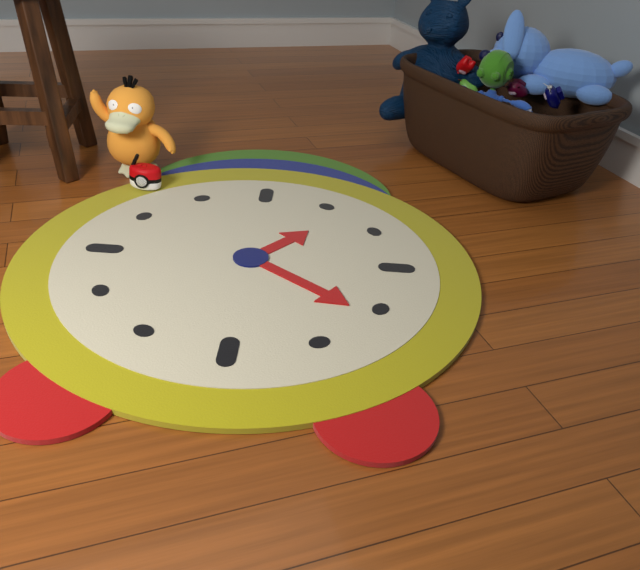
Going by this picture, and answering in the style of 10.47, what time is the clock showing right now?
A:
1.21
